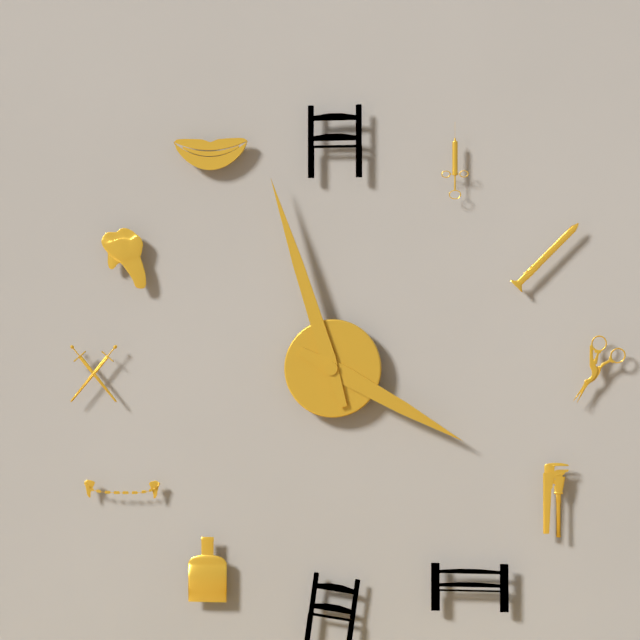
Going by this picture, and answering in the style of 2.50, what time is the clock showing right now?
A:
3.57
